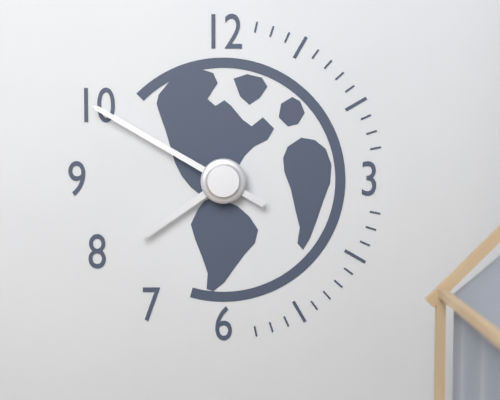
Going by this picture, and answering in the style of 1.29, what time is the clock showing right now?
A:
7.50
